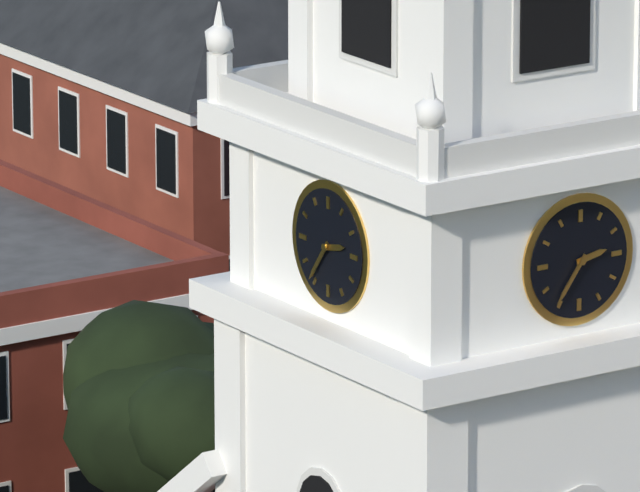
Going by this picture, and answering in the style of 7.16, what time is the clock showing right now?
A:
2.36
